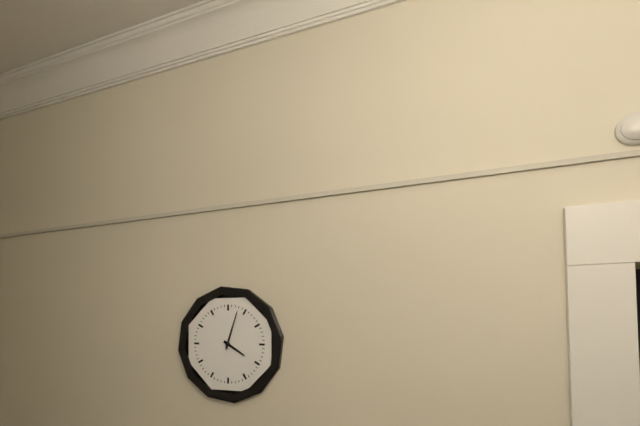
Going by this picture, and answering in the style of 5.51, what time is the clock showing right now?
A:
4.03
